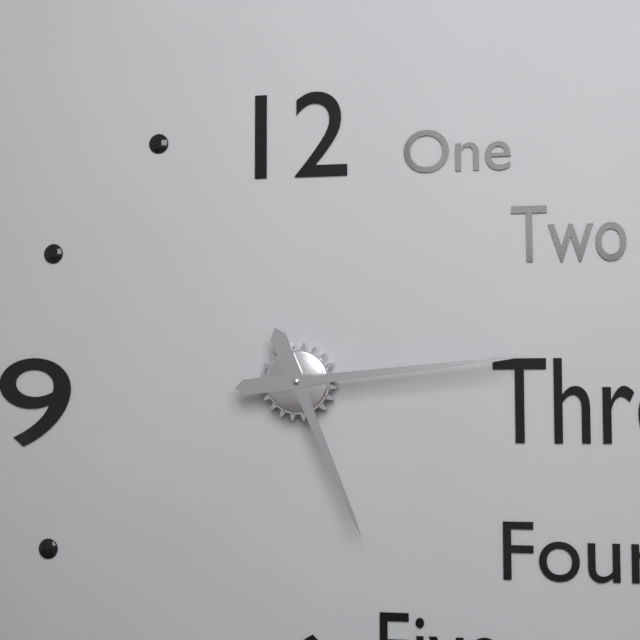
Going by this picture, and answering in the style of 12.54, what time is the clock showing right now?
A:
5.14
